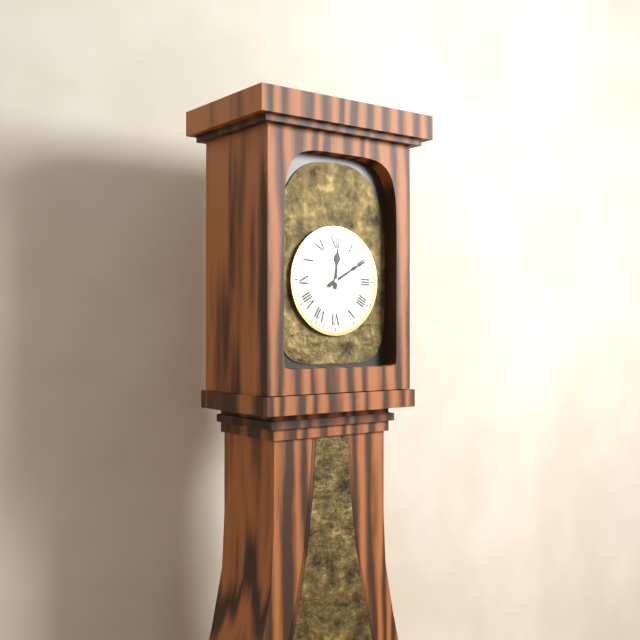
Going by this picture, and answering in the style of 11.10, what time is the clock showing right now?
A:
12.10
